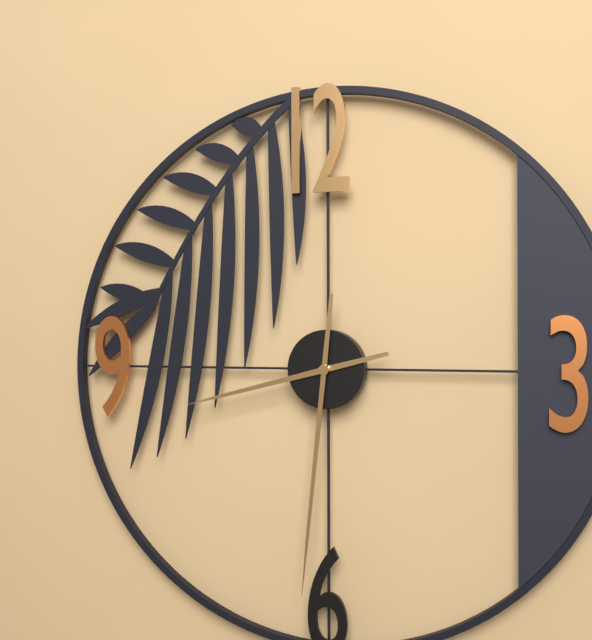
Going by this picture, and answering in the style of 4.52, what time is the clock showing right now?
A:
8.31
